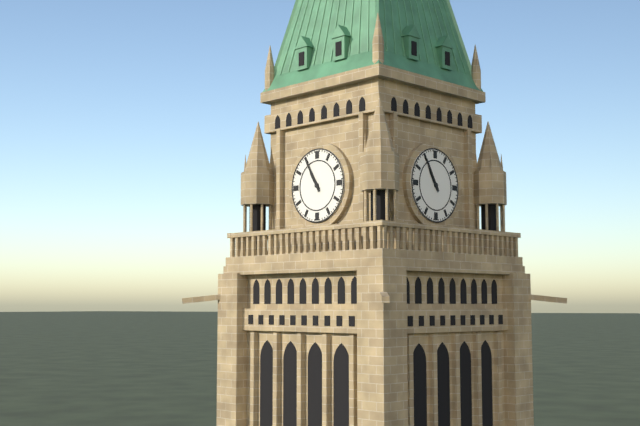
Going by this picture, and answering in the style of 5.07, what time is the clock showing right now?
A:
10.55
